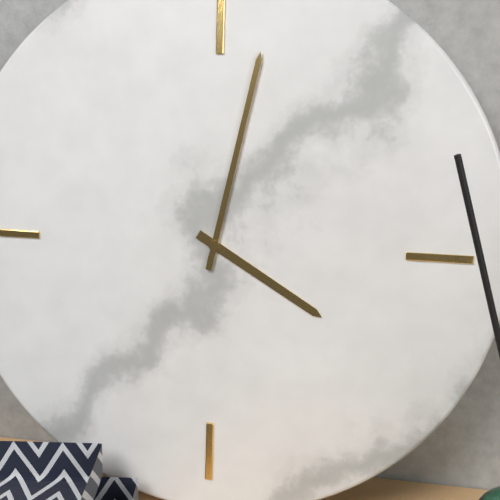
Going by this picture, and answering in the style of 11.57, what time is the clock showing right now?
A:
4.02
